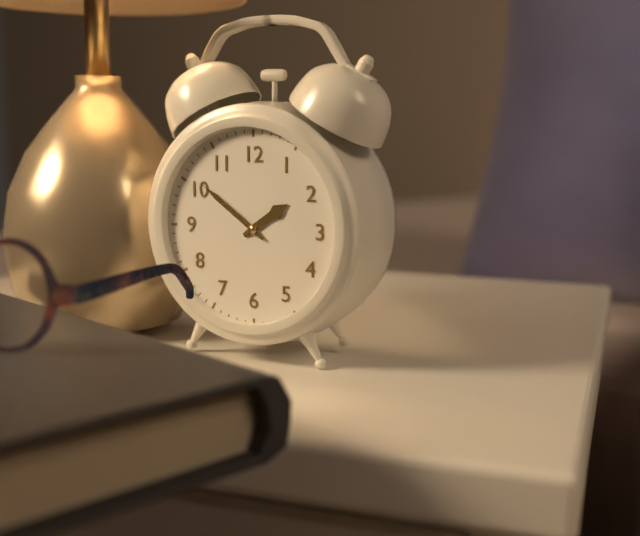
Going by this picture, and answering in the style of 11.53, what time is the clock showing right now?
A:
1.51
